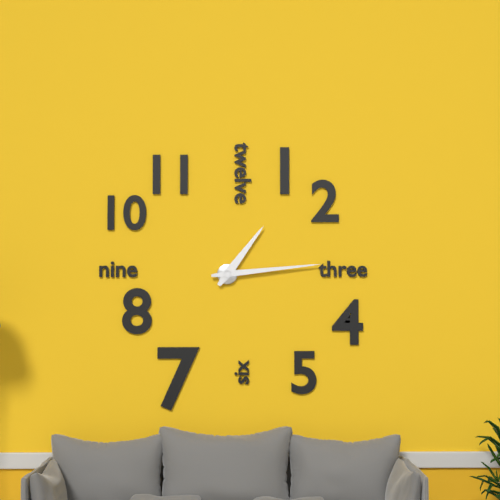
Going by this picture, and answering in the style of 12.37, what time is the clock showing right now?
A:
1.14
